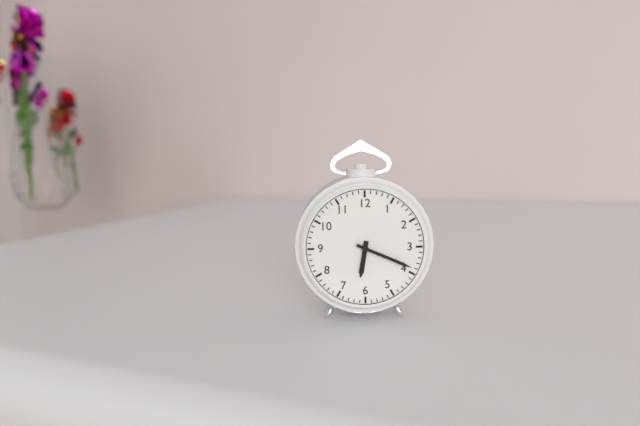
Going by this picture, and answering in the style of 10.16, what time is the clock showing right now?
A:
6.19
